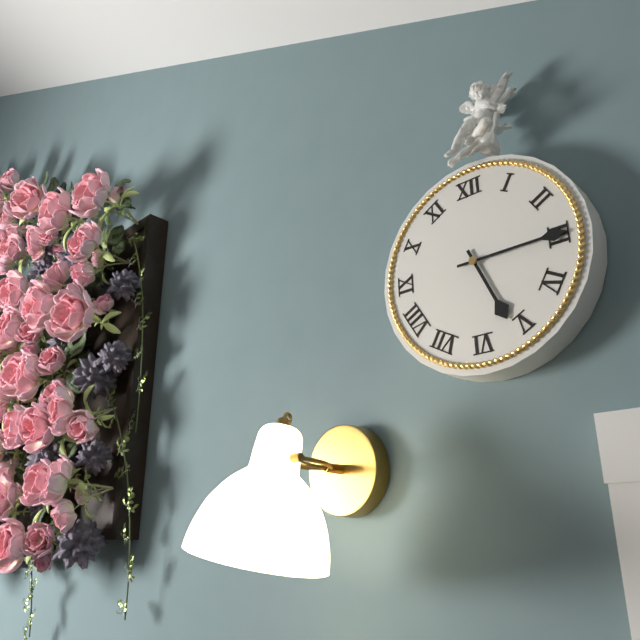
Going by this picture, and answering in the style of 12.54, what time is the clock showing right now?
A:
5.15
